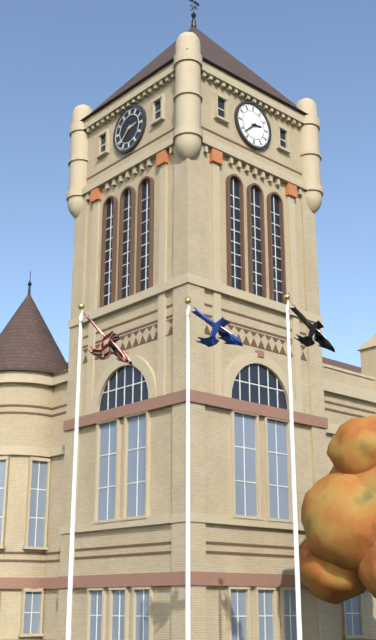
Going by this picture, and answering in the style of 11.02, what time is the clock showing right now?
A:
2.38
